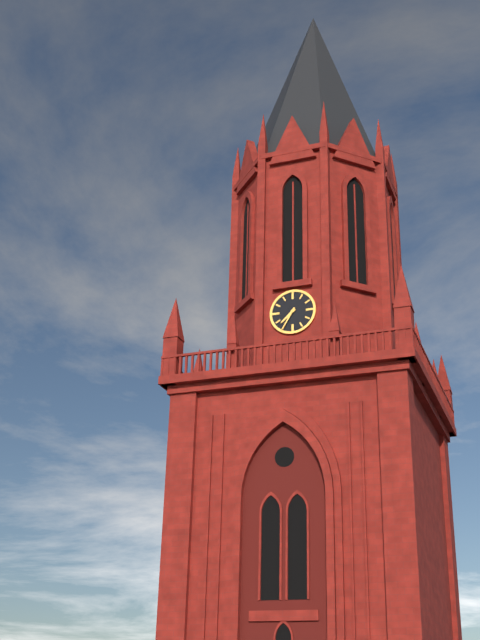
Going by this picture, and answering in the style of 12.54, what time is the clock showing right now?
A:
7.35
